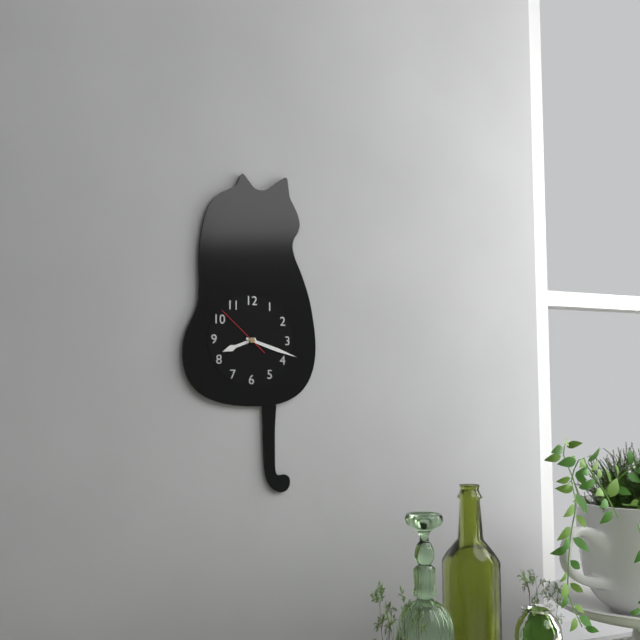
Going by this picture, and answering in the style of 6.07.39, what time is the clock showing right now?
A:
8.18.52
